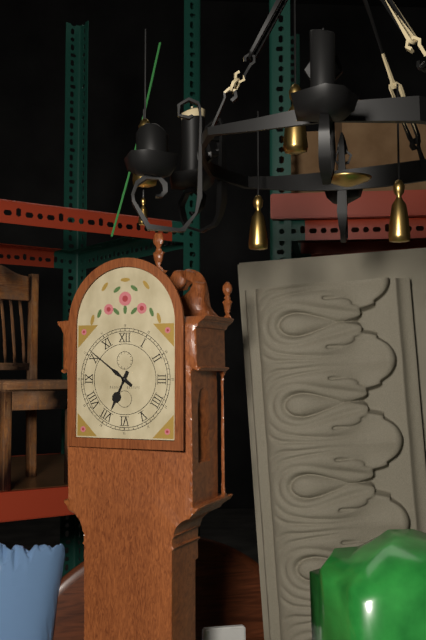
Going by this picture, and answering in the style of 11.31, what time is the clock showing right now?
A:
6.51
